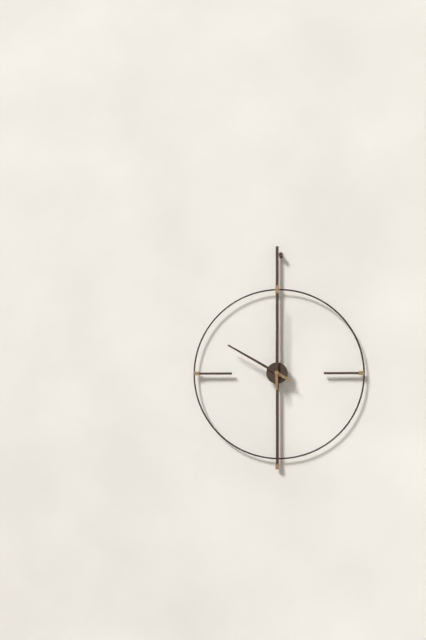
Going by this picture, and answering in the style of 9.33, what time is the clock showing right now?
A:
10.00
